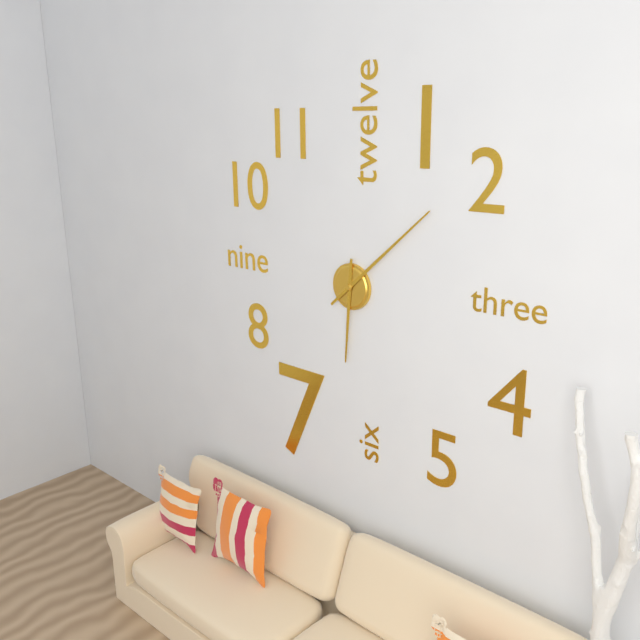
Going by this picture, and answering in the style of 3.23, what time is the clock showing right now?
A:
6.08
